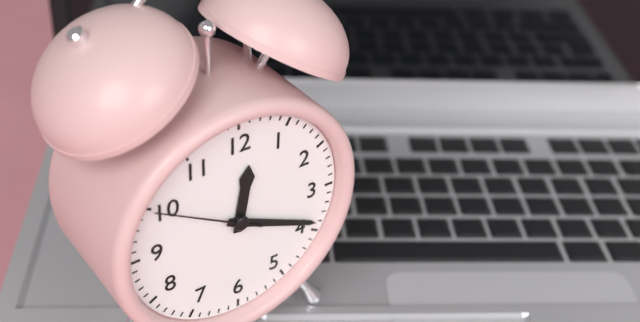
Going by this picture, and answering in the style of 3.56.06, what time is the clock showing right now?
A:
12.19.50
